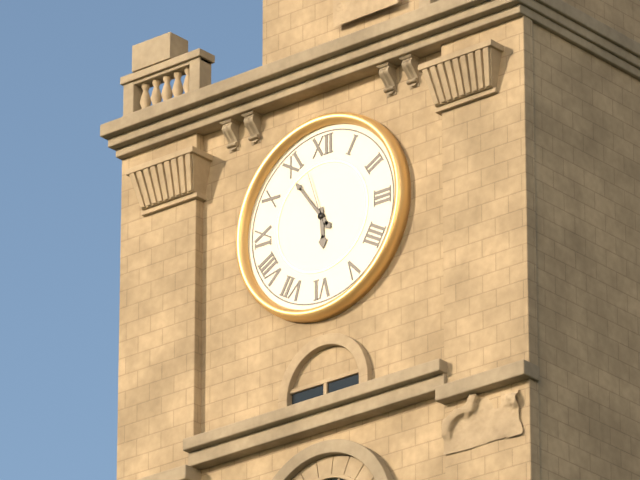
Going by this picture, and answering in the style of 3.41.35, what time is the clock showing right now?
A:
5.54.57
